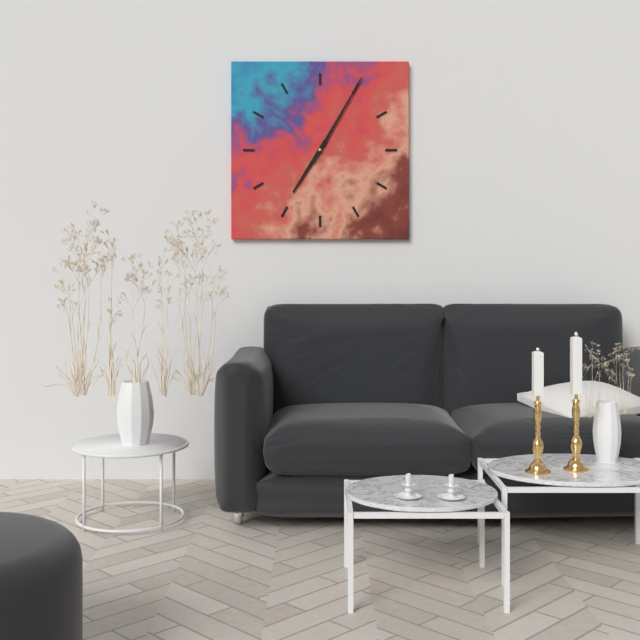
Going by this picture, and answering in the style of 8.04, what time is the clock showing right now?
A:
7.05
